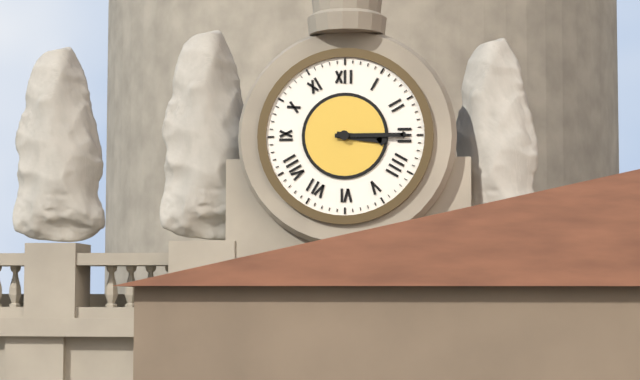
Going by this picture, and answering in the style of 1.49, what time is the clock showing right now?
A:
3.15
